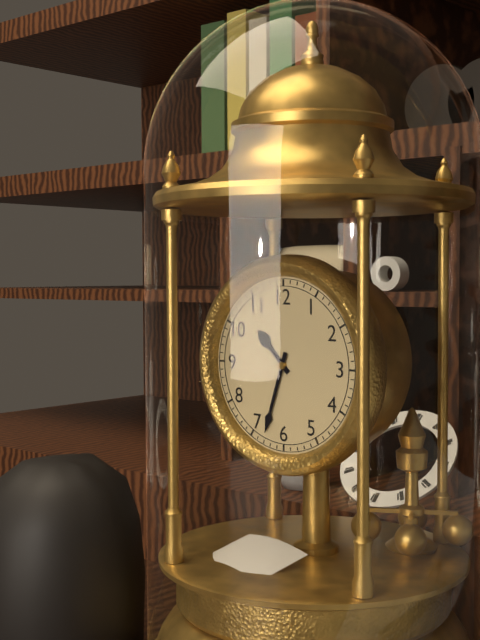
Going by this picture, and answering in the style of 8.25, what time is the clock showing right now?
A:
10.33
